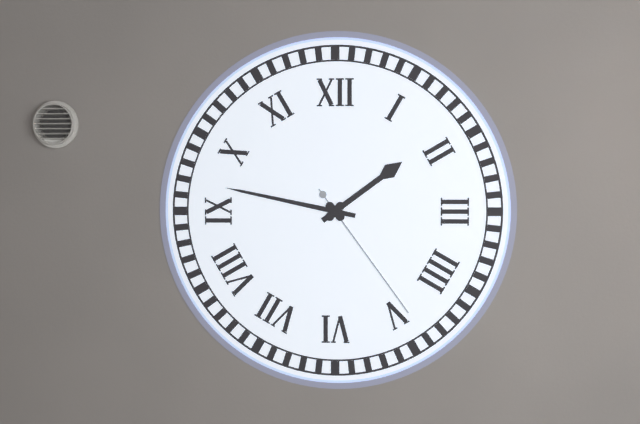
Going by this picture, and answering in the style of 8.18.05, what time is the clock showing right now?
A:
1.47.24
